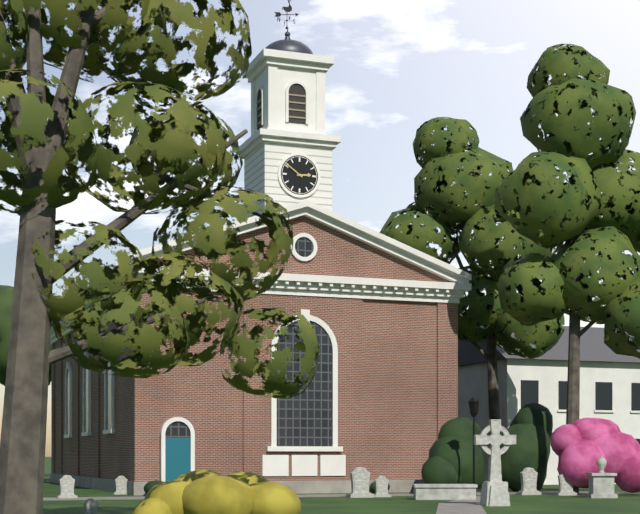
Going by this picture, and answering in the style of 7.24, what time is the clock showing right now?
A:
2.51
